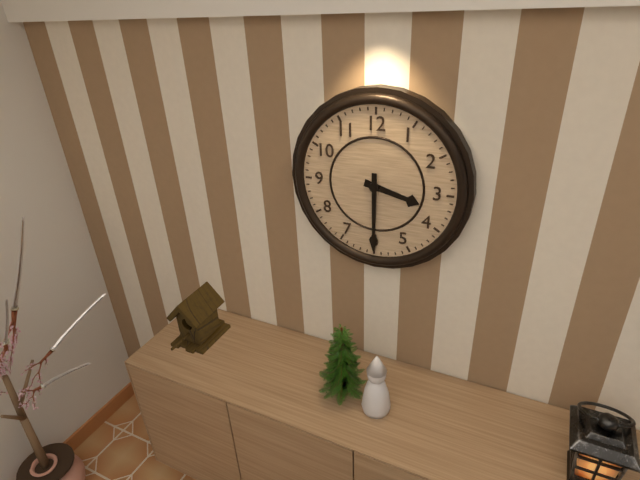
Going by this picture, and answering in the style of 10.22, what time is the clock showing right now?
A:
3.30
